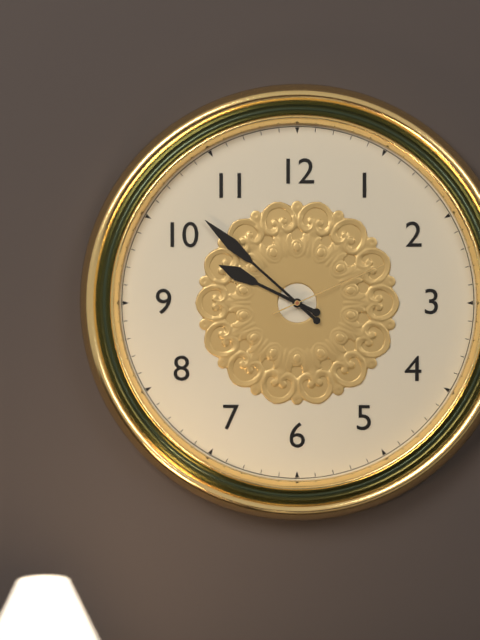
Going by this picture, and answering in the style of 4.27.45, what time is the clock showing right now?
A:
9.52.11
